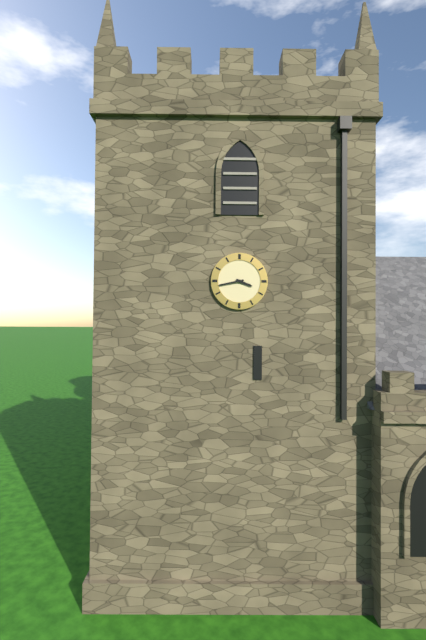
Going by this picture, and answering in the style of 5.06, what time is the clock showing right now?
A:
3.43
